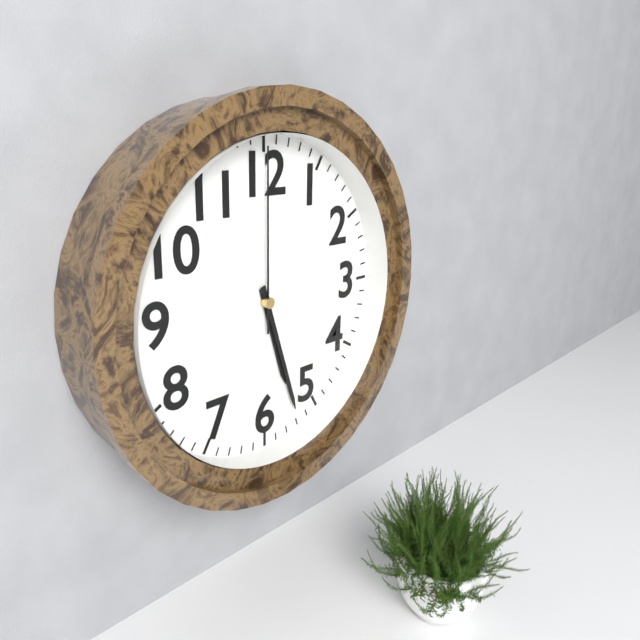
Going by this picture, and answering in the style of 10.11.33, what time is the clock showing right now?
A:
5.27.00
